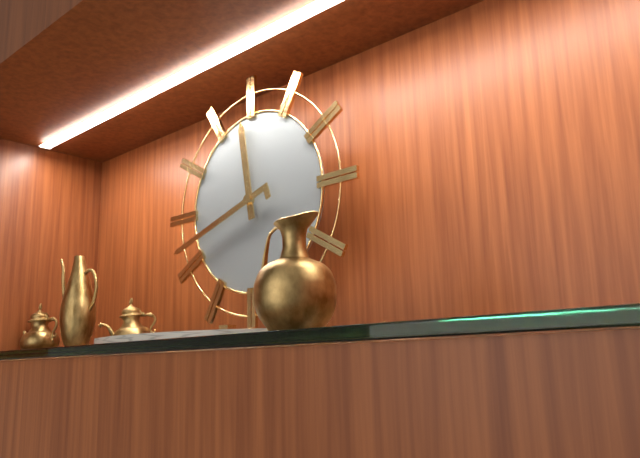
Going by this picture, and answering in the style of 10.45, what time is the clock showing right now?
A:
11.42
